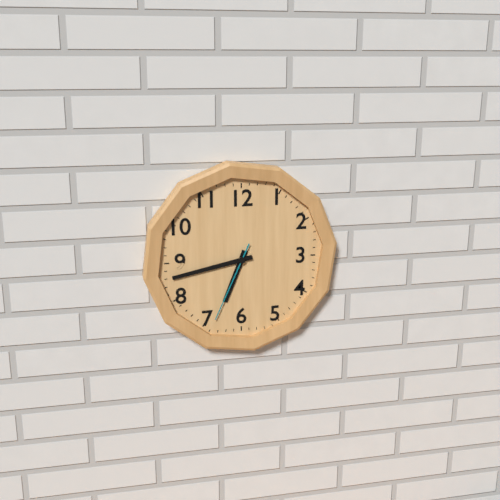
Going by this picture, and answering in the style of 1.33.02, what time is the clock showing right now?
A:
6.43.34
